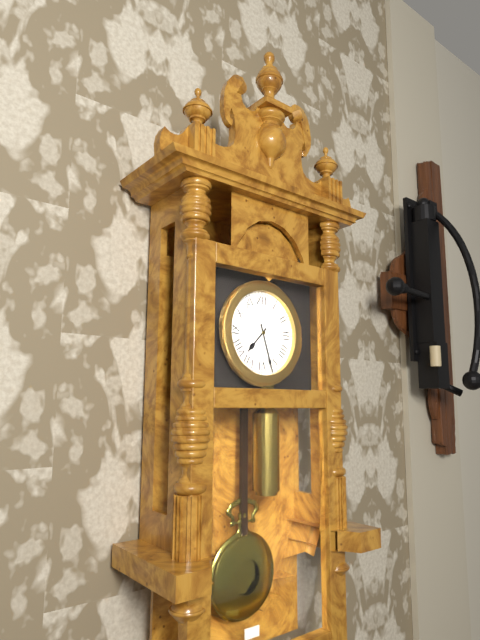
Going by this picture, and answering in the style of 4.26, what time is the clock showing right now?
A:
7.27
